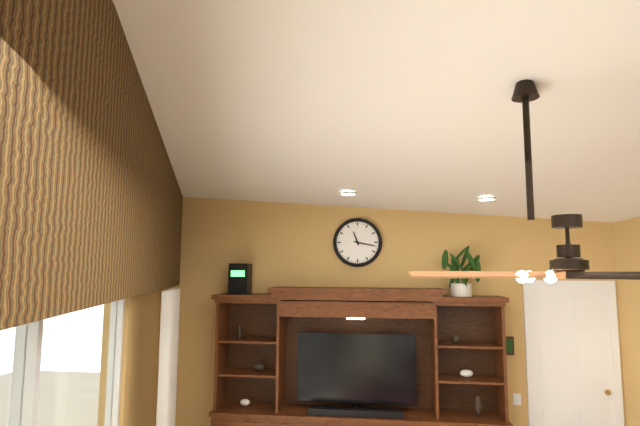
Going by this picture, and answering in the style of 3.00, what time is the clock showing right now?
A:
11.17
